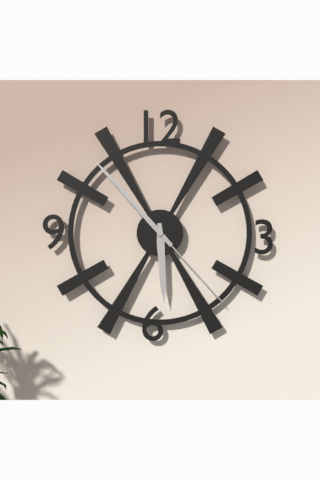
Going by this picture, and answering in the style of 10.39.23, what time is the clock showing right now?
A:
5.53.23
